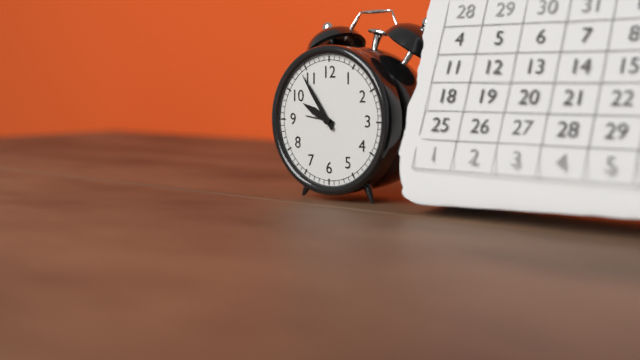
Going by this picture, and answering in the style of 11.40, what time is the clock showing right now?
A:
9.54
